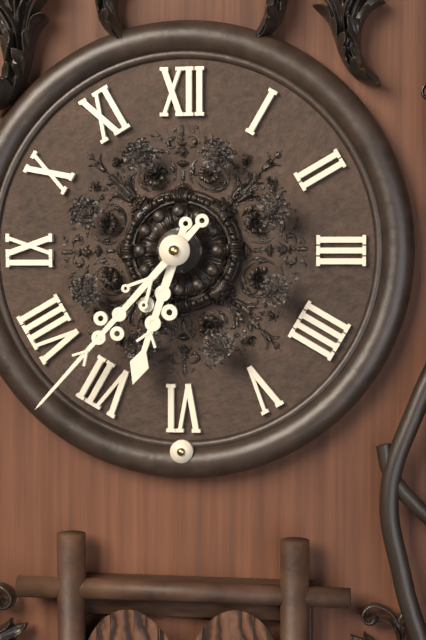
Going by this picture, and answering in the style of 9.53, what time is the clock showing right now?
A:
6.37
